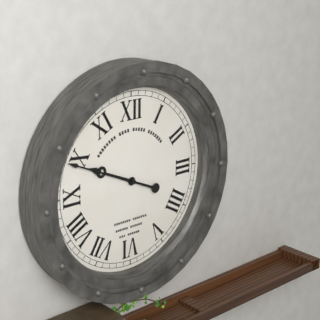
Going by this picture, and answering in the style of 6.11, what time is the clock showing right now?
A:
9.49
